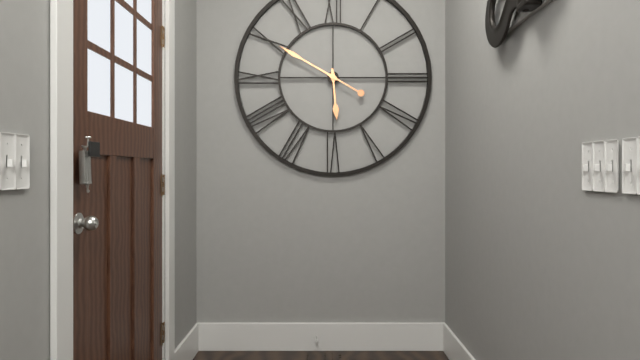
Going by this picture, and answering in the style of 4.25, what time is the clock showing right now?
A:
5.50
